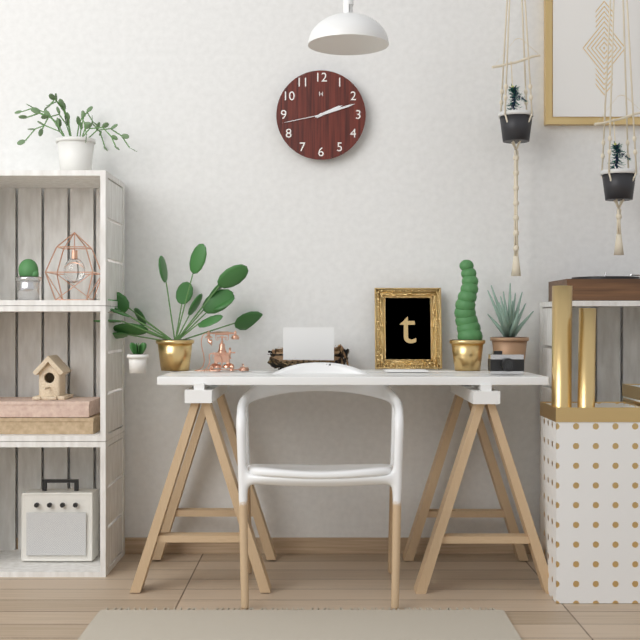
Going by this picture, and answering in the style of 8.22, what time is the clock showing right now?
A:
2.12
